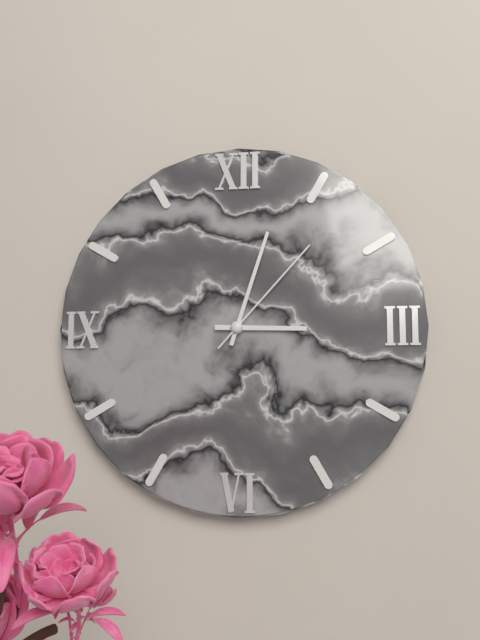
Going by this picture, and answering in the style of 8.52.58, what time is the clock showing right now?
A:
3.03.07
